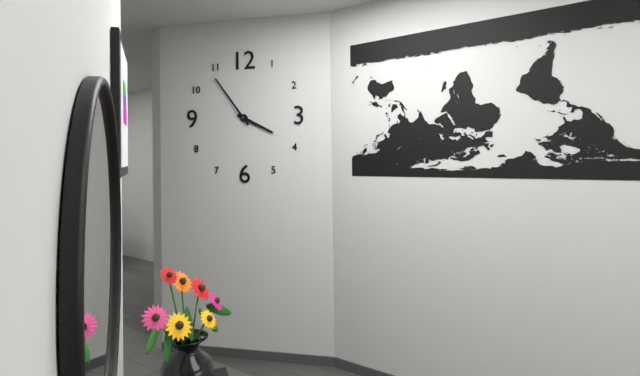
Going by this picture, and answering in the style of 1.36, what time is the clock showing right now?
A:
3.54
